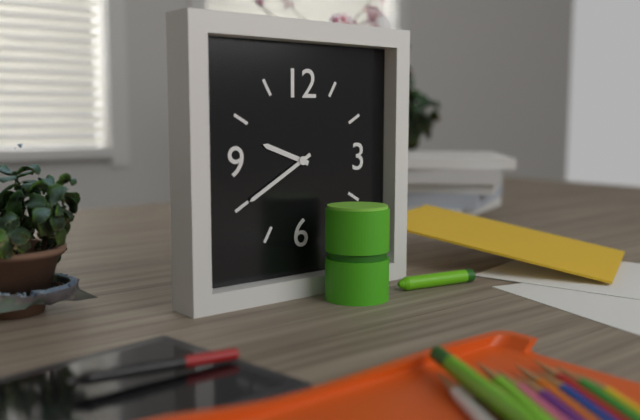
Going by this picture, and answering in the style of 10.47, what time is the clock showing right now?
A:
9.40
